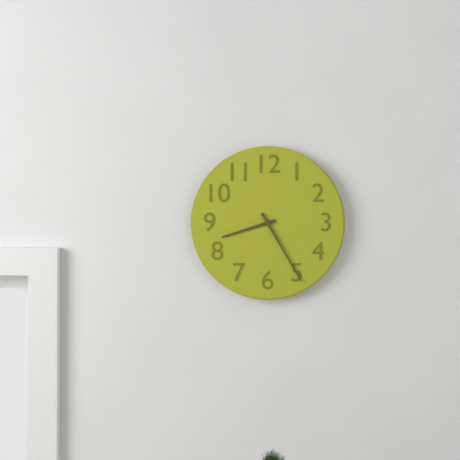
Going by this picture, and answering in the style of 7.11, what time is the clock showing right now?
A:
8.25
